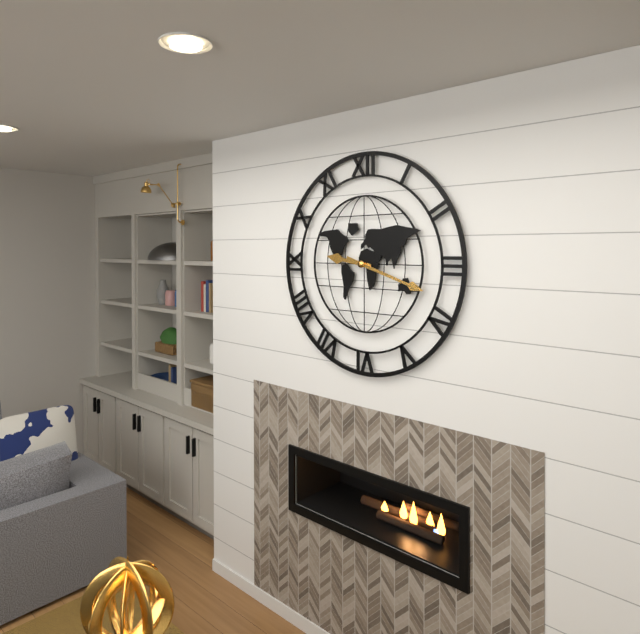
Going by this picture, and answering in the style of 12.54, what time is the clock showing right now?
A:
9.18
